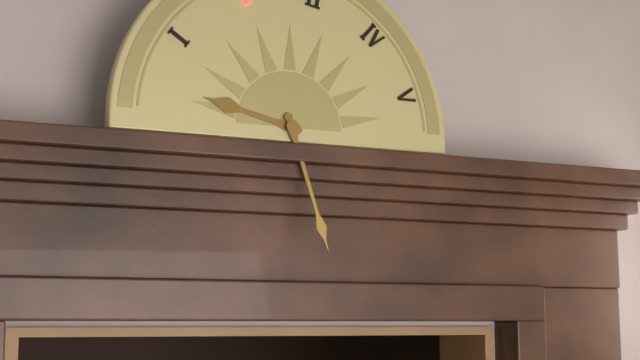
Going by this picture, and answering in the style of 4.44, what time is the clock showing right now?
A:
9.27
